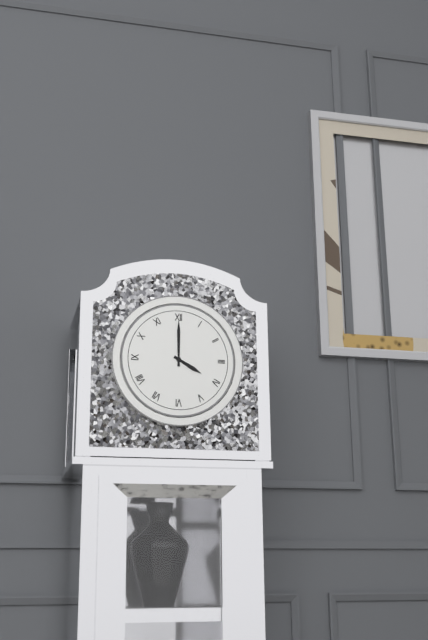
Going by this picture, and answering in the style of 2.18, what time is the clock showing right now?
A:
4.00
